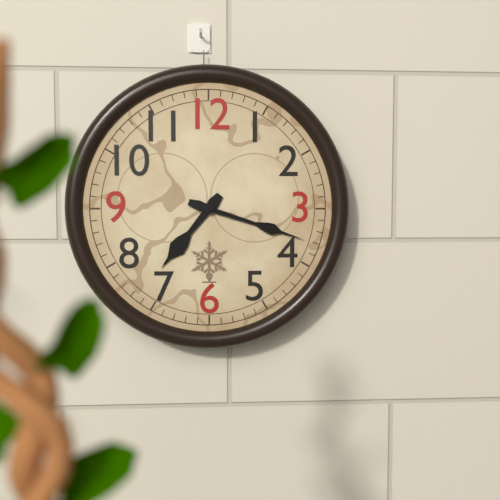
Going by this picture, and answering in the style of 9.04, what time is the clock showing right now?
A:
7.18
